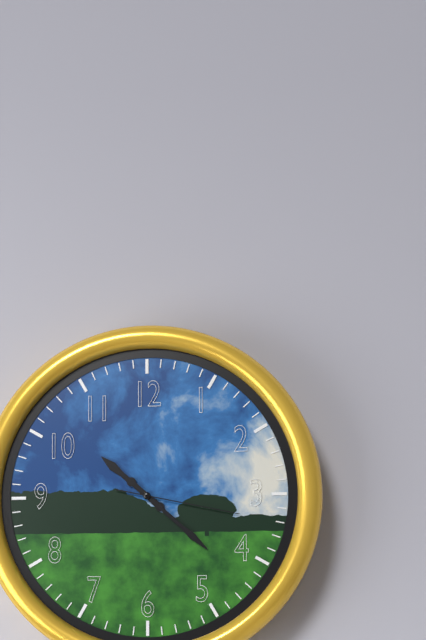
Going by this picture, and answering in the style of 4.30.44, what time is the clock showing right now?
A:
10.22.17
